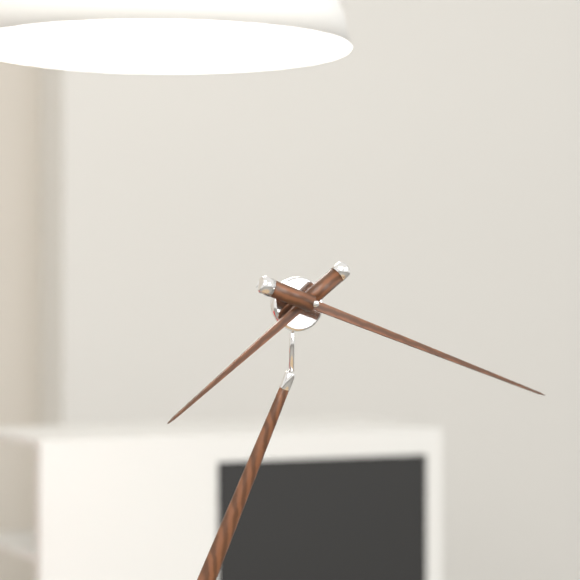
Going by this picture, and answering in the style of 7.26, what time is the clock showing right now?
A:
7.16
